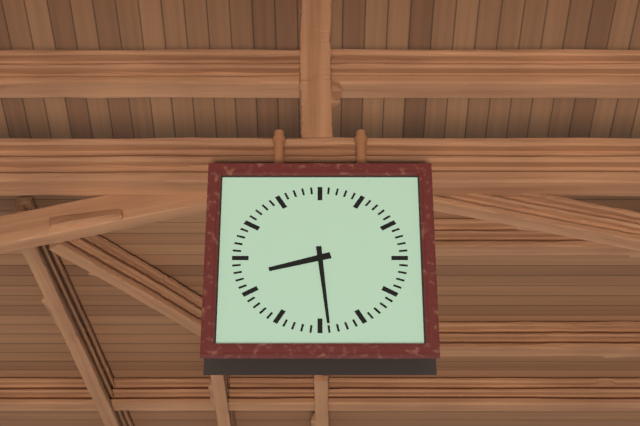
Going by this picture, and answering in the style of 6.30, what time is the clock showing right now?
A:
8.29
